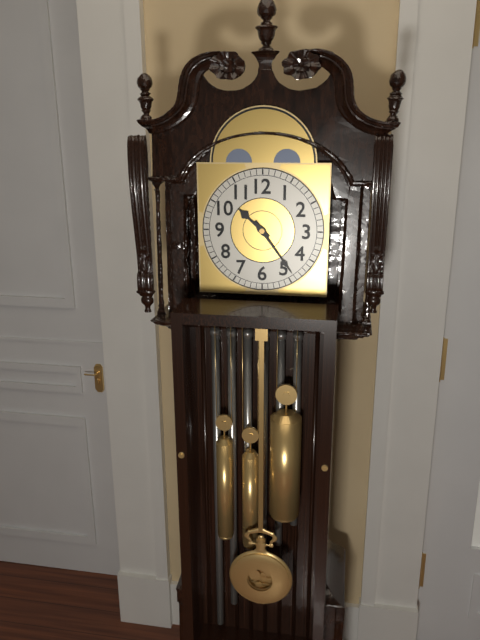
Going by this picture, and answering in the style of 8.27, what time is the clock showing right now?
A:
10.24
